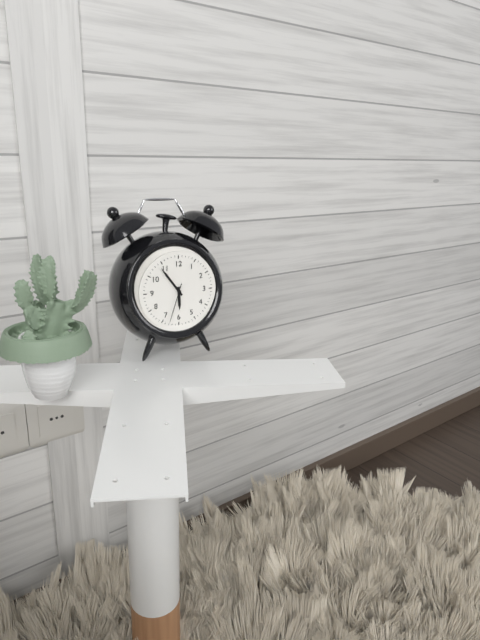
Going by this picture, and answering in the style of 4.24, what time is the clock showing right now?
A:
5.54
